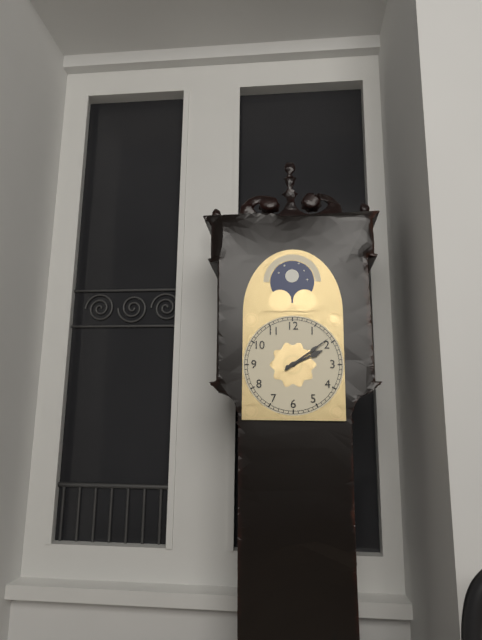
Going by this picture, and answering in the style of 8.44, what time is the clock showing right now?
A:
2.09
